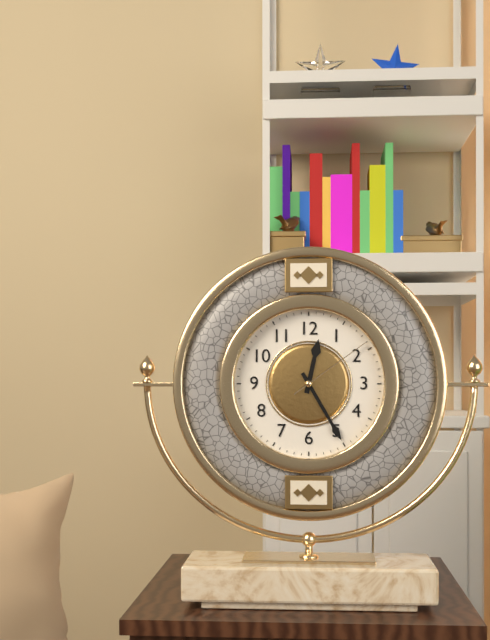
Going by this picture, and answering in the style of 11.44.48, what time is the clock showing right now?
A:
12.25.09
